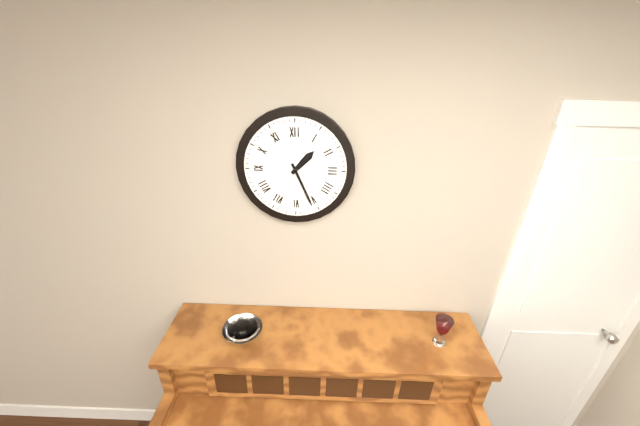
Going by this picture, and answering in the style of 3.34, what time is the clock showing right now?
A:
1.26
